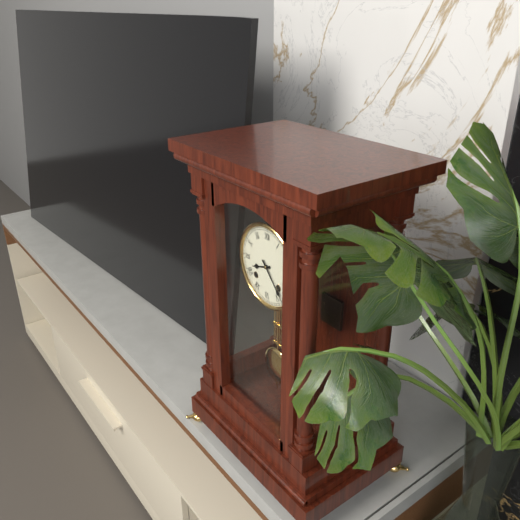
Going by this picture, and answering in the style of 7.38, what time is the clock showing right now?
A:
8.23
